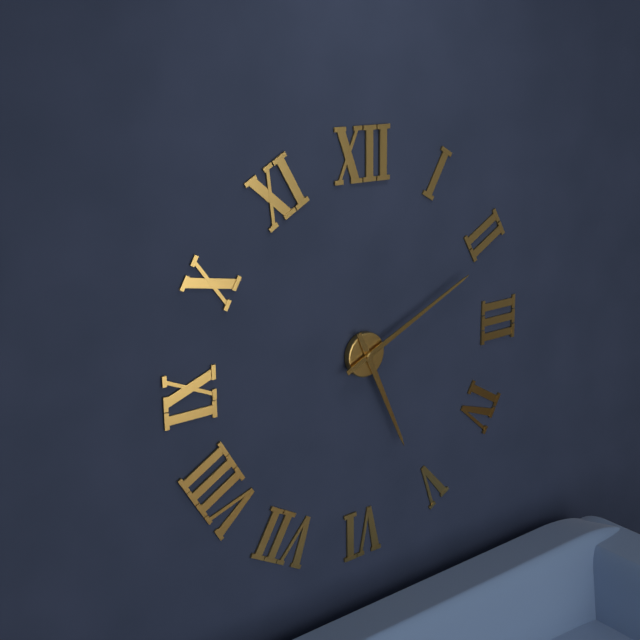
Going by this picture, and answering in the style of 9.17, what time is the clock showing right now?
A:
5.11
